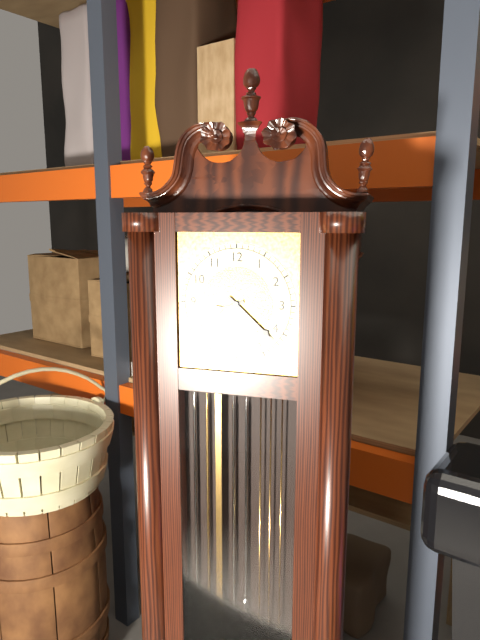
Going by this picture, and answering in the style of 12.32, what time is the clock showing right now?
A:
8.22
